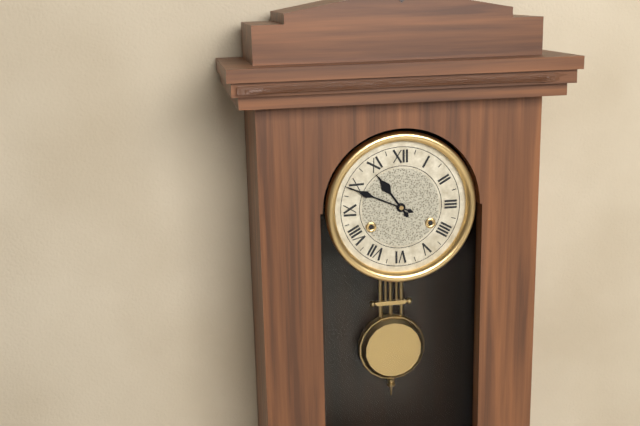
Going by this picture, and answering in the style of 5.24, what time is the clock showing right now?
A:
10.49
